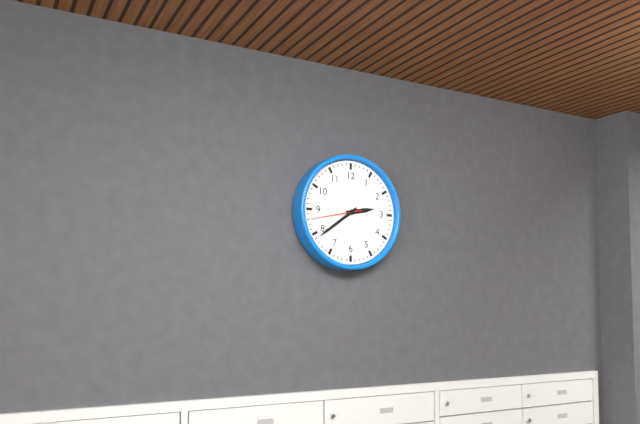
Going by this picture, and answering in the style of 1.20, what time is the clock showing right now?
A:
2.39
